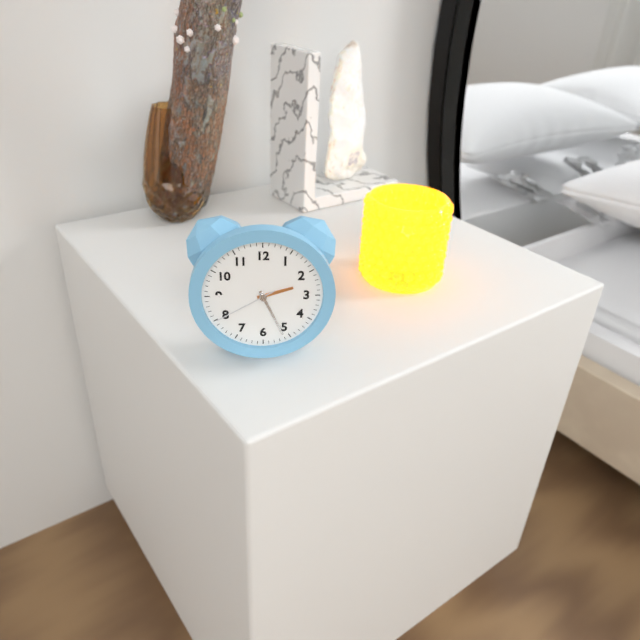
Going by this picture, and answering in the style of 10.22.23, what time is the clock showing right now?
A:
2.26.40
